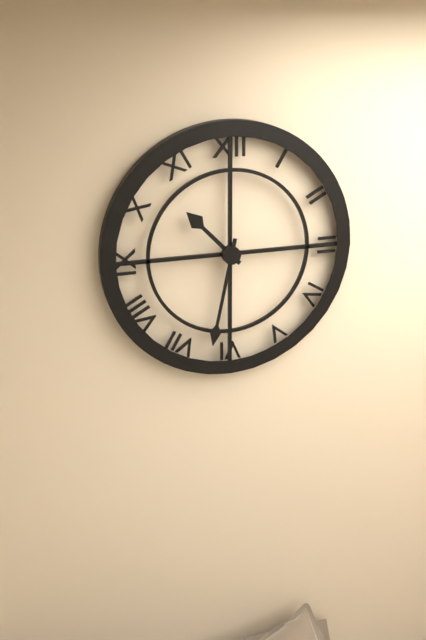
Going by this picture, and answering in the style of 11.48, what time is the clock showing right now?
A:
10.32
